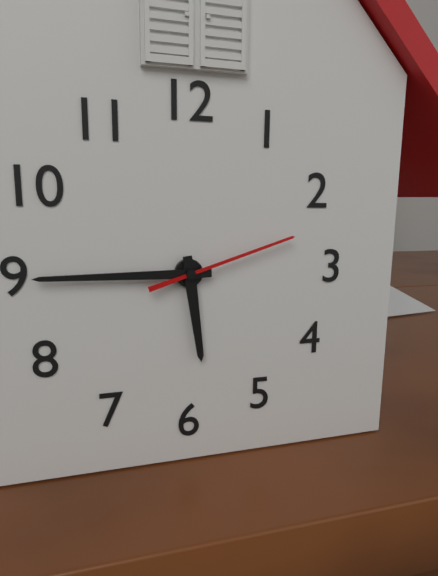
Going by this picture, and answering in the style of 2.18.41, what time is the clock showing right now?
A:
5.45.12
